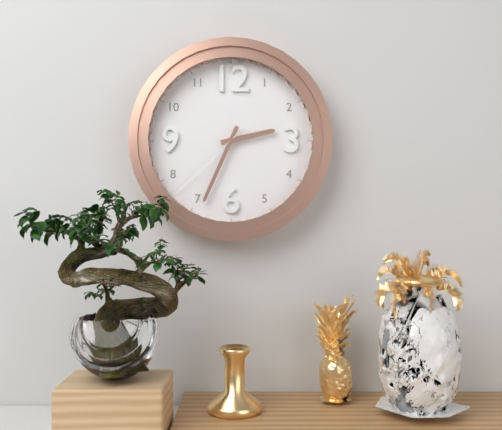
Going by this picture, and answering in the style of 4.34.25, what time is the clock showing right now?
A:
2.34.38
